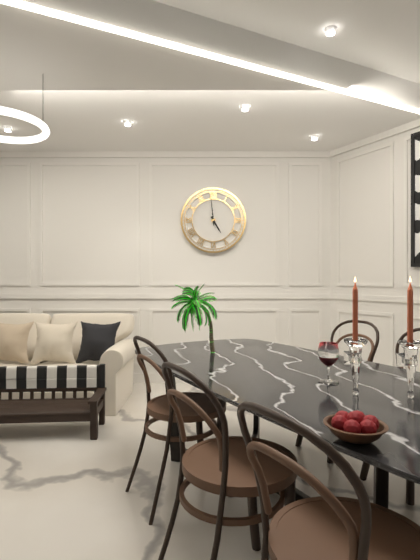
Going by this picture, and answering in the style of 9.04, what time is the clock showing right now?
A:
4.59
